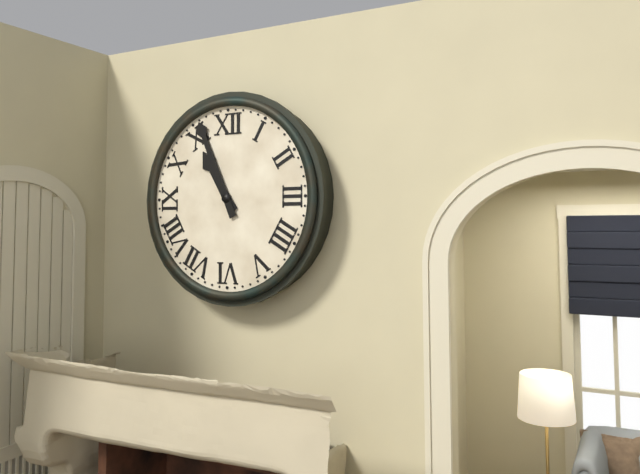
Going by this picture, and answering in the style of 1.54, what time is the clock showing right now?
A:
10.56
